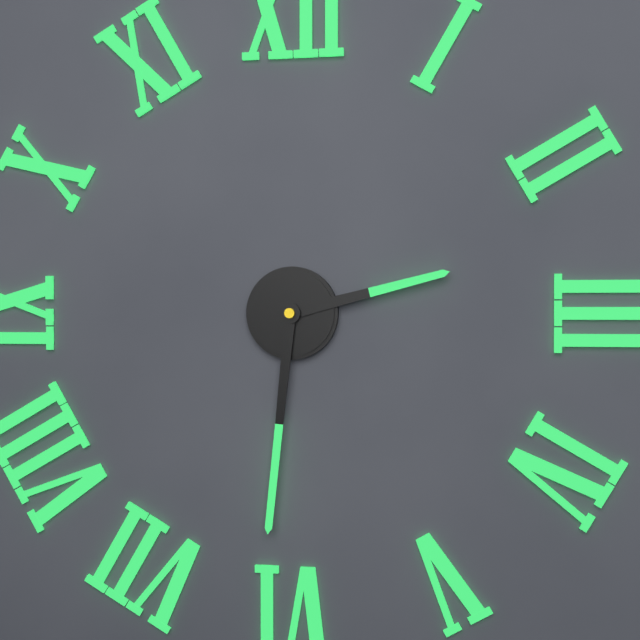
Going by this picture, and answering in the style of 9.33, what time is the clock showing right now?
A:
2.31
